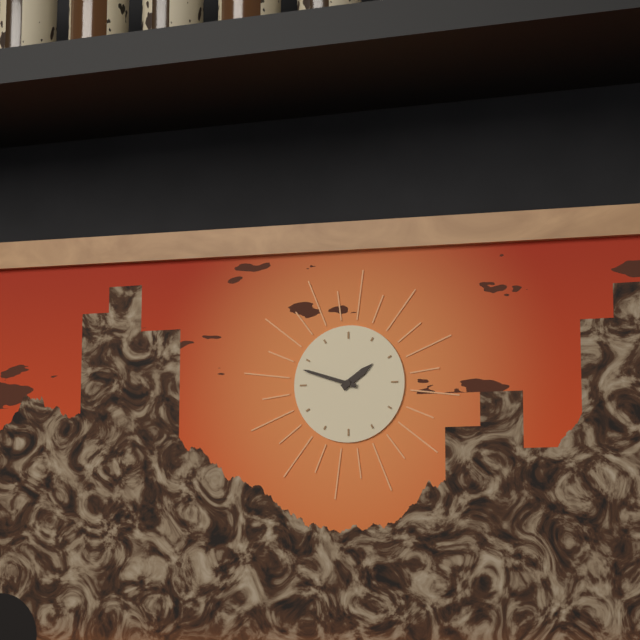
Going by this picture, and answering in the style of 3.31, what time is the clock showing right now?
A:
1.48
